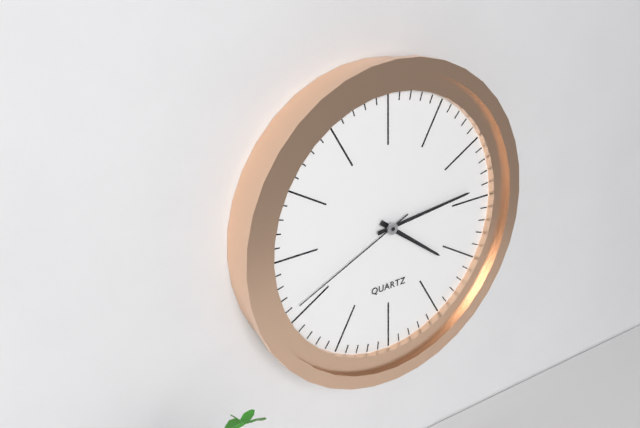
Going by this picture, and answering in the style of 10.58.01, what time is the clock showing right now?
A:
4.14.41
